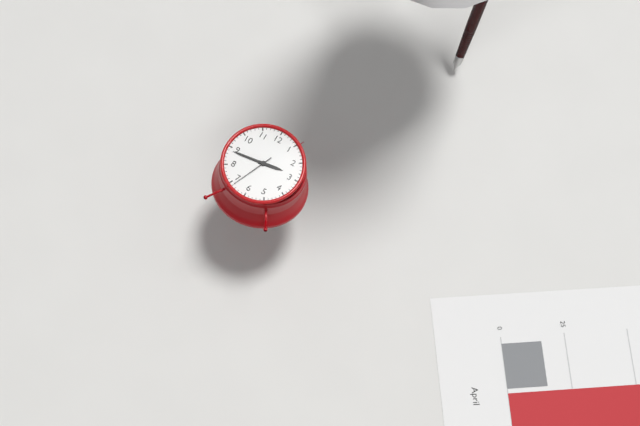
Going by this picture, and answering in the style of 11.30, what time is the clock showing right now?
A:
2.44
